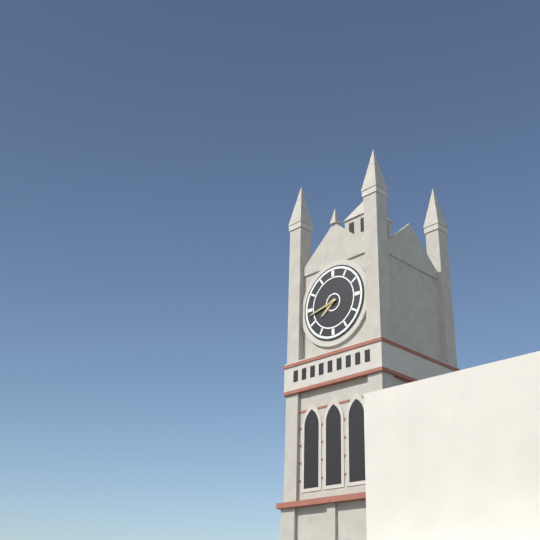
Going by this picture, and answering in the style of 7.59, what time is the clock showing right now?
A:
7.43
